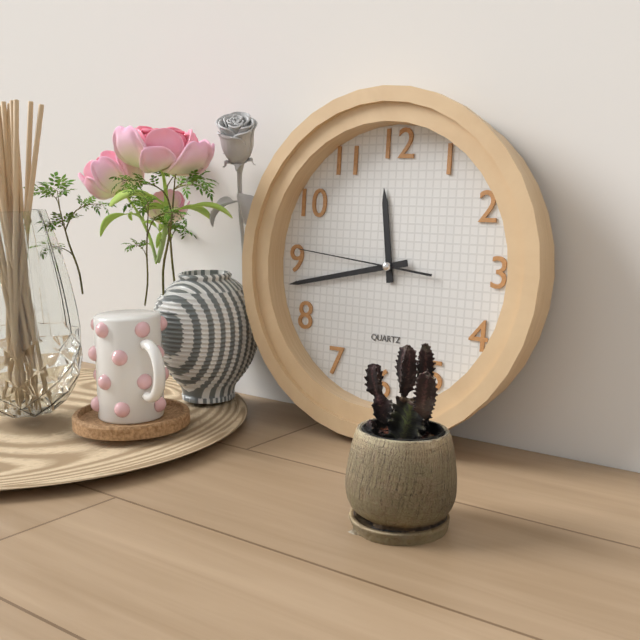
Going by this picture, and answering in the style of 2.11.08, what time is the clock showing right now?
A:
11.43.46
